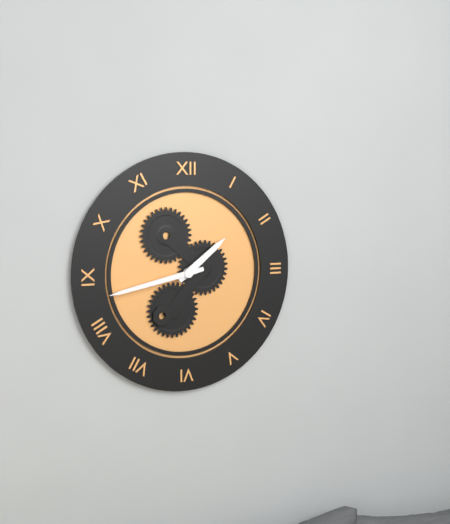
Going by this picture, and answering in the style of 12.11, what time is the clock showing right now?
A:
1.43
